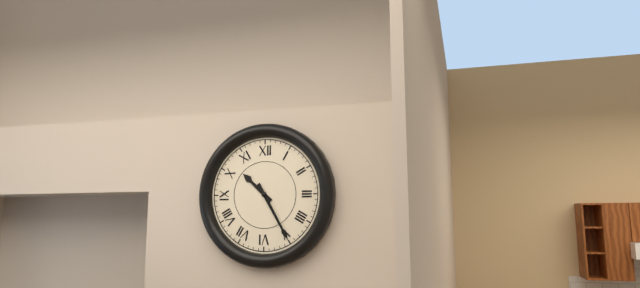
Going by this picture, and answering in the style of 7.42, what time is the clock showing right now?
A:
10.25
